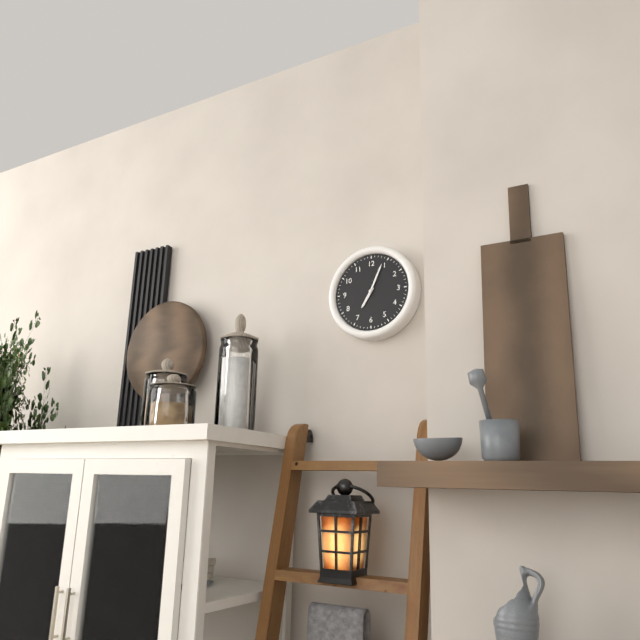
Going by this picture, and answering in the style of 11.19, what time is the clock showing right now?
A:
7.04
